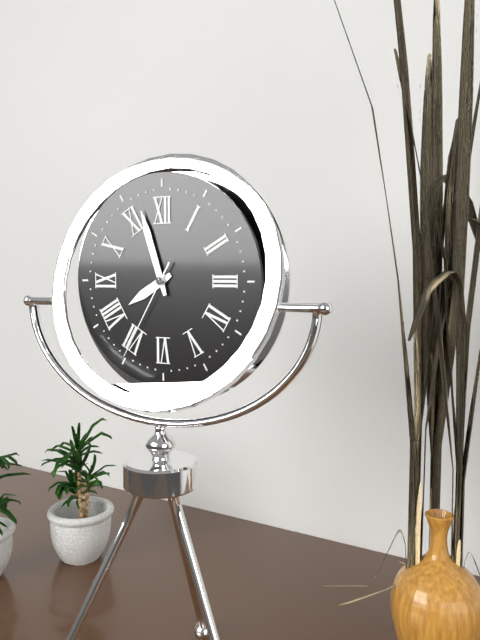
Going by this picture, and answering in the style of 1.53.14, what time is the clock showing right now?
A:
7.57.35
